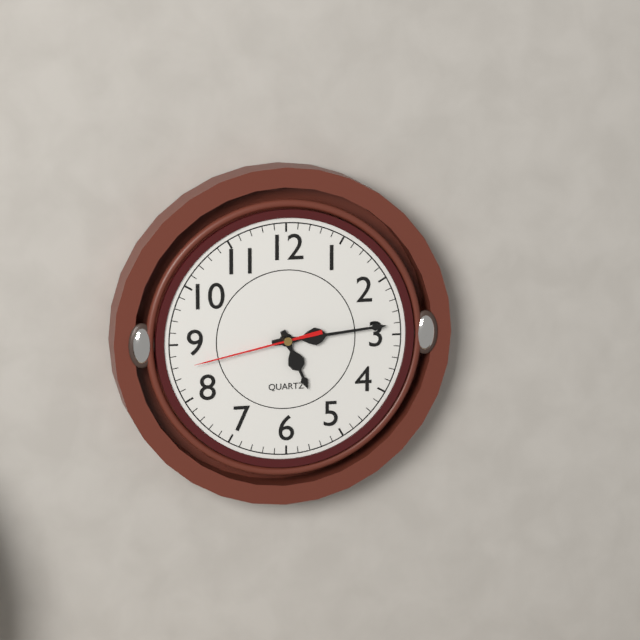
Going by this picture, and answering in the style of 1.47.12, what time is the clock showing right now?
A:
5.14.43
